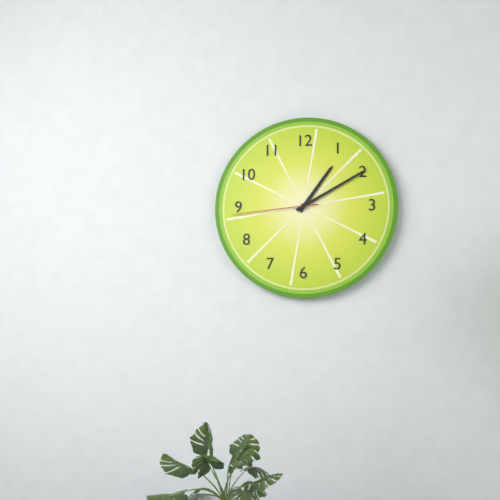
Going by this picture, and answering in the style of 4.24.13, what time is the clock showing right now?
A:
1.10.44
